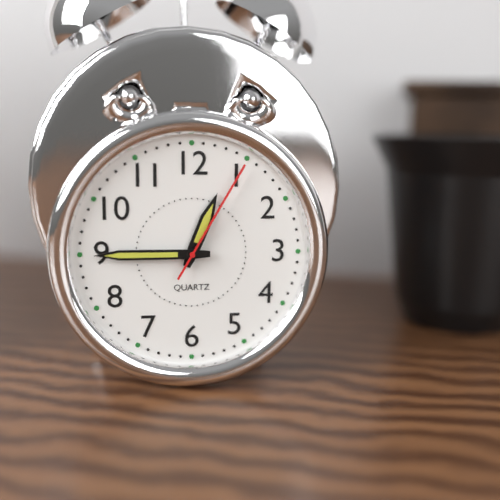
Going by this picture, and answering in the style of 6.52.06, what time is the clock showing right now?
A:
12.45.05
